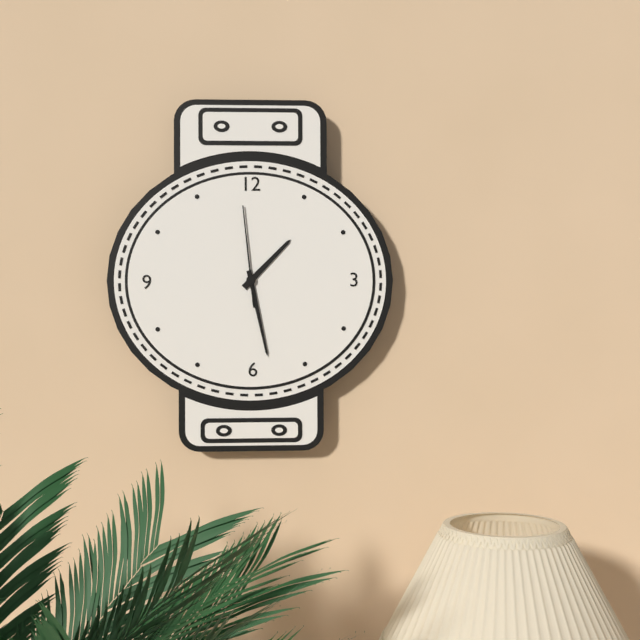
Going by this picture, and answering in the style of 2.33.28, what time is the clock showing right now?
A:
1.28.59
